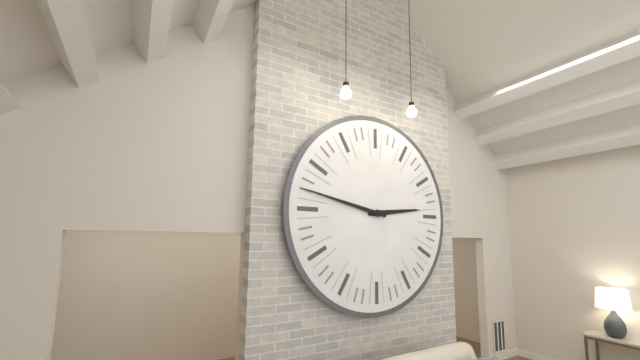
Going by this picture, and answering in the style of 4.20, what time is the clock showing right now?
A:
2.47
